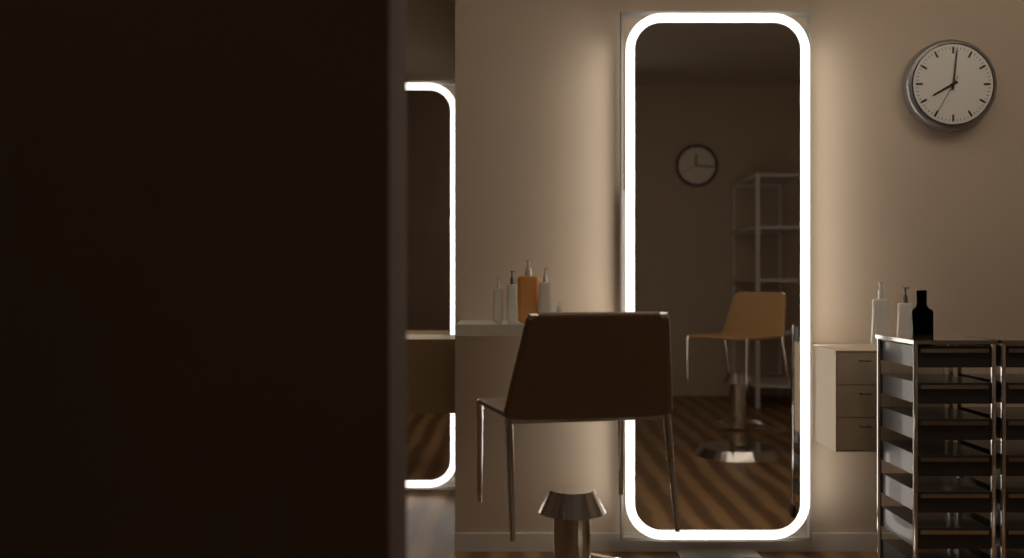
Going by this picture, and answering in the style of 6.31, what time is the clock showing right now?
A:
8.01
